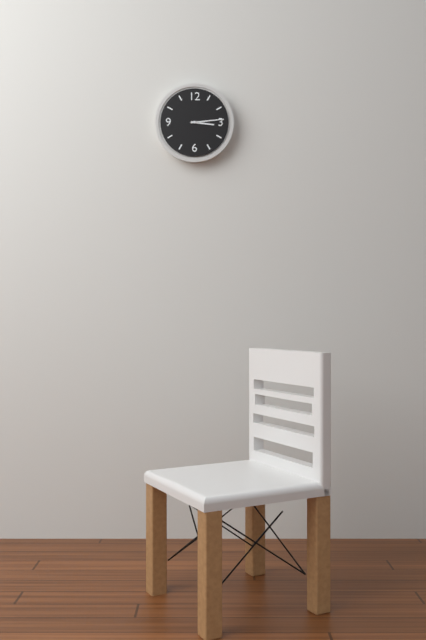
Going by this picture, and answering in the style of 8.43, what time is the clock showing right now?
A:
3.14
